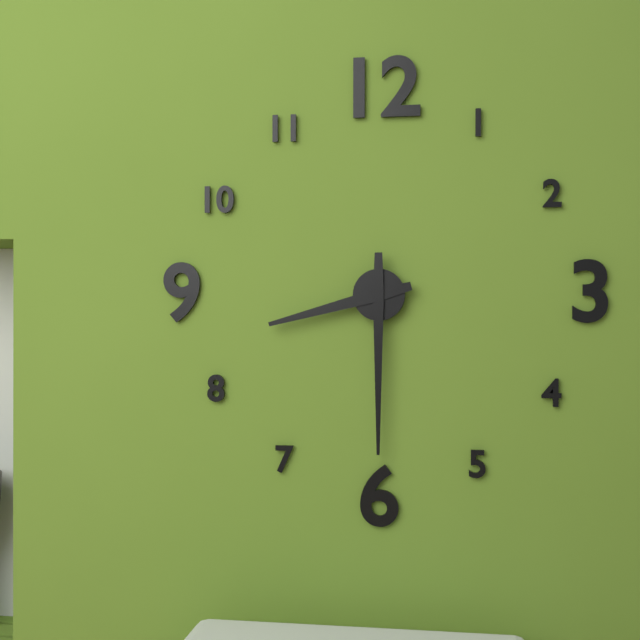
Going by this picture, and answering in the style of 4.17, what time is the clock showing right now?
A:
8.30
